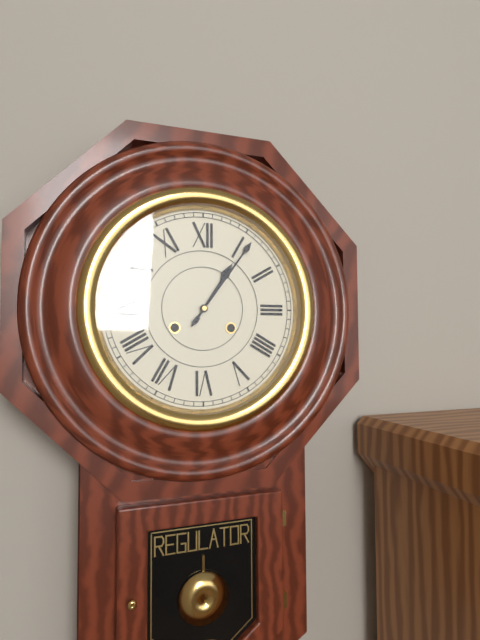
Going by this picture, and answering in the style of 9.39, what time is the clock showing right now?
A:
1.06
